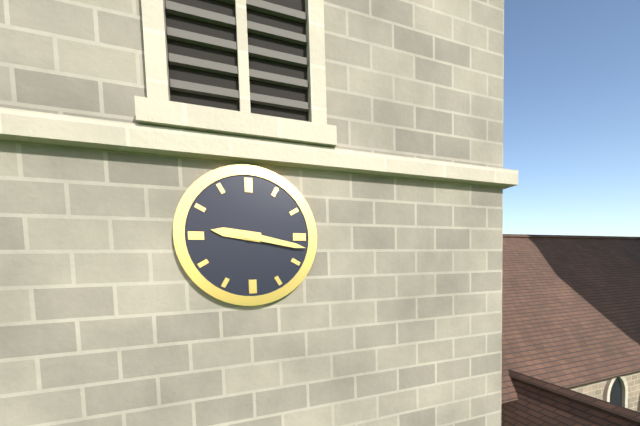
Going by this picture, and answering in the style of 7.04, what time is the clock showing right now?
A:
9.17
